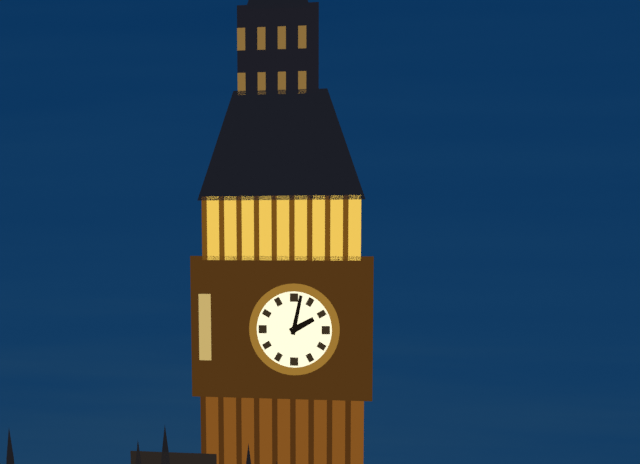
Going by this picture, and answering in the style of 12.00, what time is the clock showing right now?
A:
2.02
